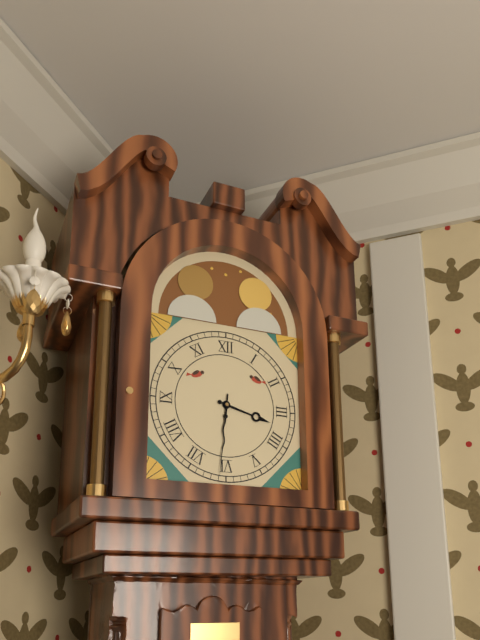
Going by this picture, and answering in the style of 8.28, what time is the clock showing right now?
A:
3.31
